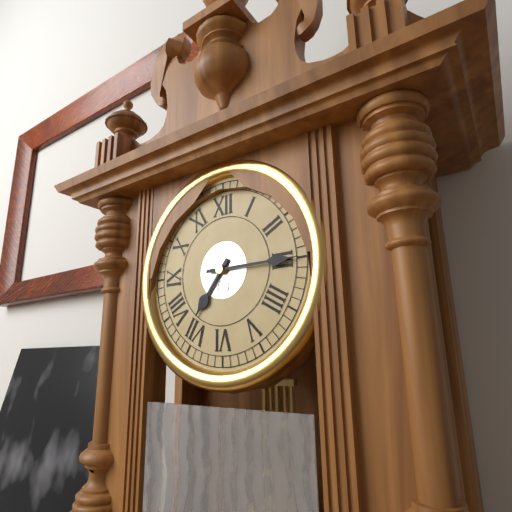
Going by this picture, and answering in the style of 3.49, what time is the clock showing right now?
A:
7.15
